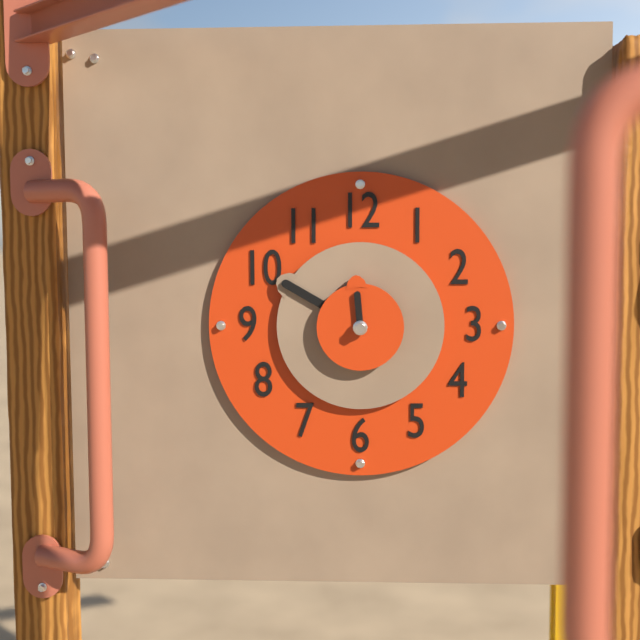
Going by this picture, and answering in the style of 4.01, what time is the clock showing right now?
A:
11.50
